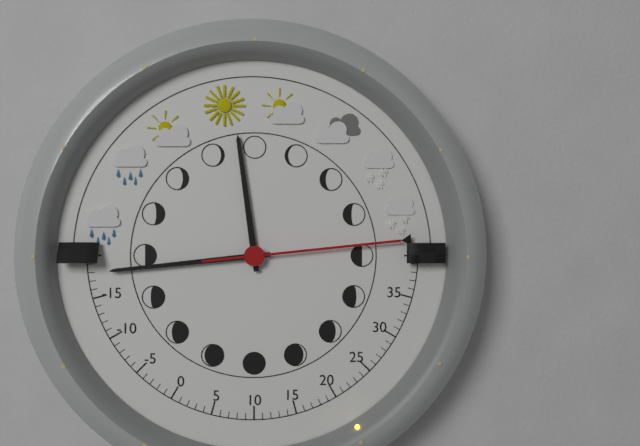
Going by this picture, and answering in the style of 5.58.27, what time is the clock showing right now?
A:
11.44.14
